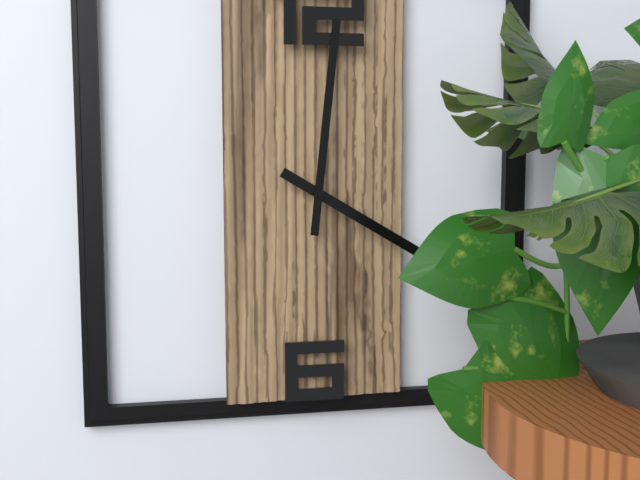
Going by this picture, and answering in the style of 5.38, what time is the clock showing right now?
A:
4.01
